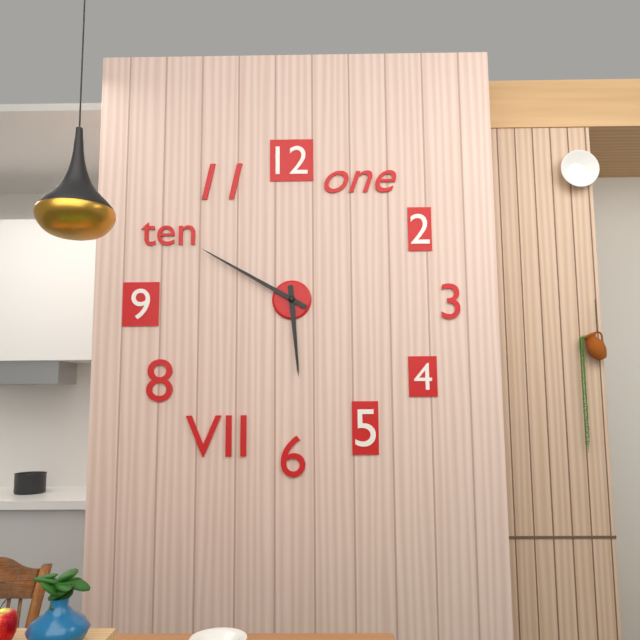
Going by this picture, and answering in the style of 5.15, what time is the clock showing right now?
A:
5.50
